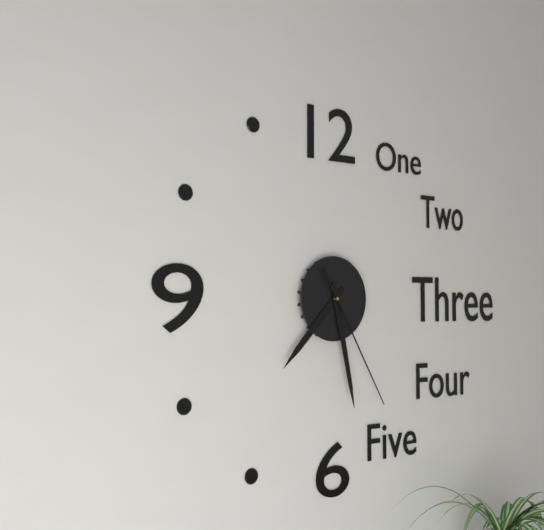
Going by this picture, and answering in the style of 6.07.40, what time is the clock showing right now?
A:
7.28.25
